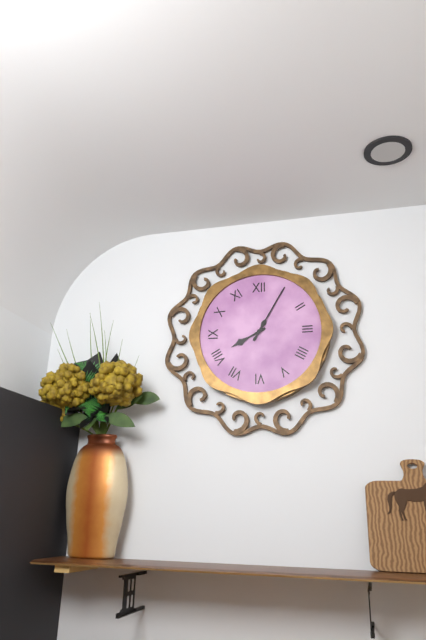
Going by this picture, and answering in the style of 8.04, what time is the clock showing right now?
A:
8.05
